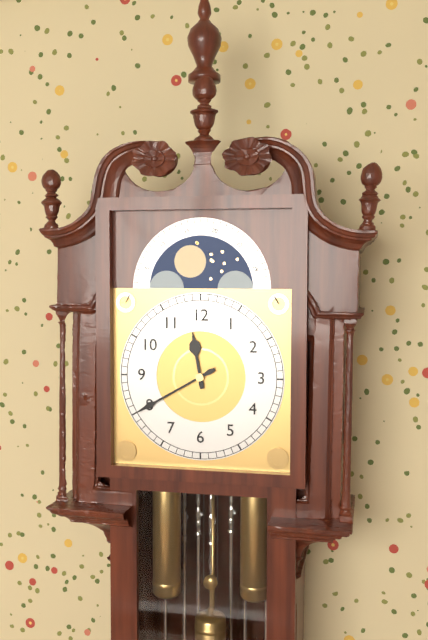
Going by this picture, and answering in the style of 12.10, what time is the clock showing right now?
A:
11.40
